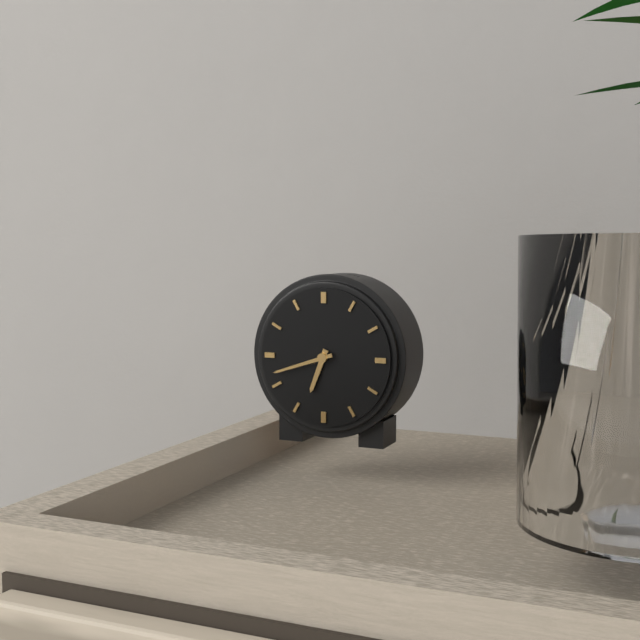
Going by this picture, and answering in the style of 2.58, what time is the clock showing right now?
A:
6.42
